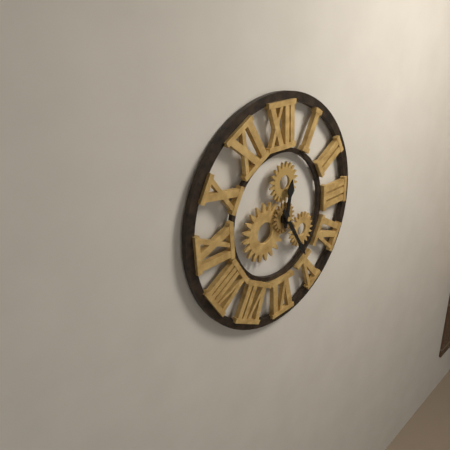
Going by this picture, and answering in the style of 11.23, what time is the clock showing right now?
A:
12.25
